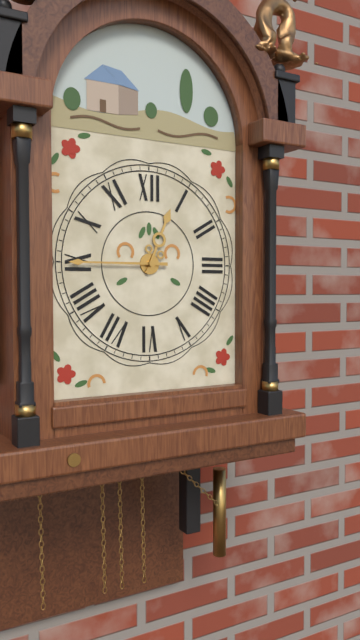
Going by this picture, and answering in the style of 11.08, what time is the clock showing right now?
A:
12.45
